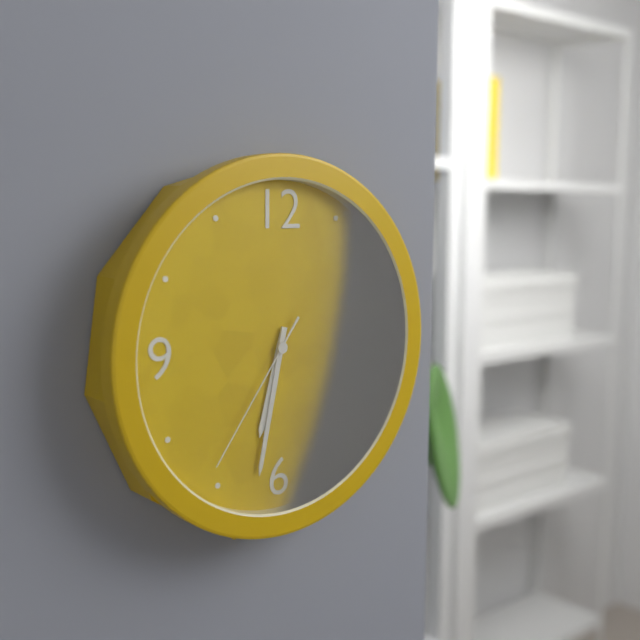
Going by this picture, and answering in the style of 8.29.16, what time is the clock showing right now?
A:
6.32.36
